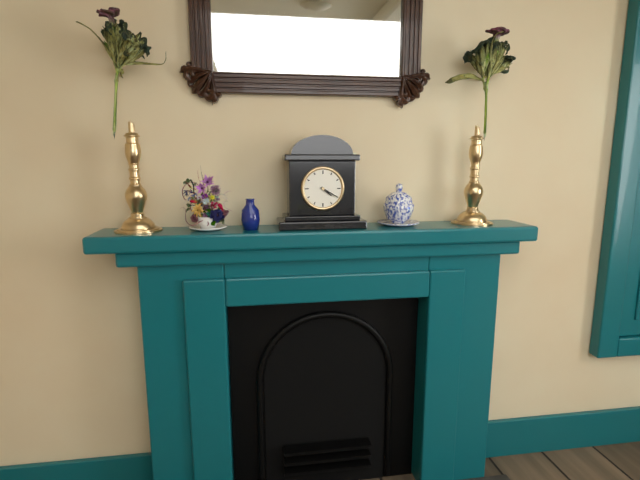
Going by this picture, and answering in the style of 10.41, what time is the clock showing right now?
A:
4.20
